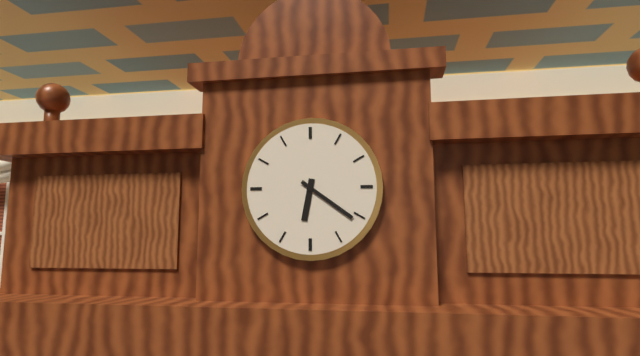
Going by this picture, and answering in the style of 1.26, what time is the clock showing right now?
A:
6.21
